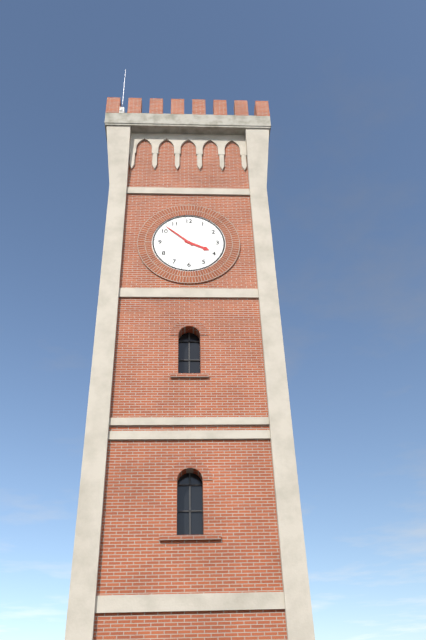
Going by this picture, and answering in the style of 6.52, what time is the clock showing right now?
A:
3.52
